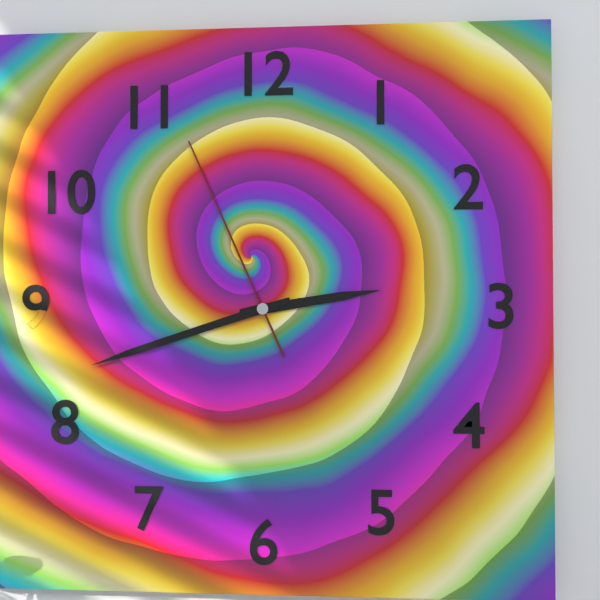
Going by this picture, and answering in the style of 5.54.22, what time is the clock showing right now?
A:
2.42.56
